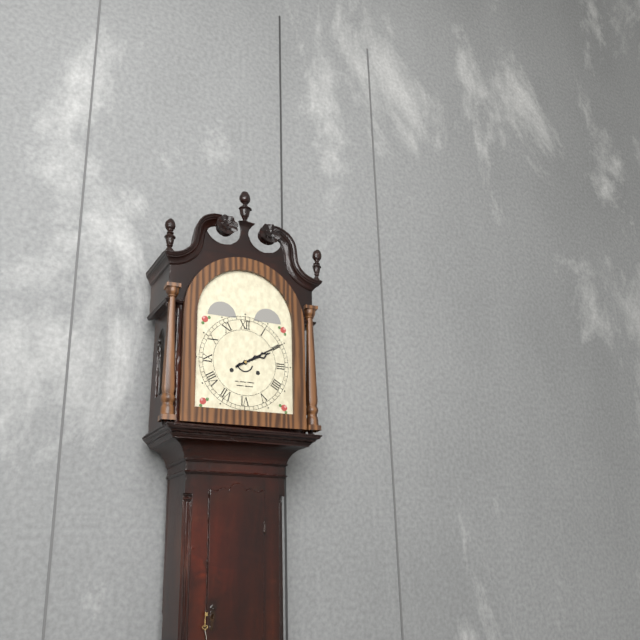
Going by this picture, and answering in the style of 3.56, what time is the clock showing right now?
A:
2.10
